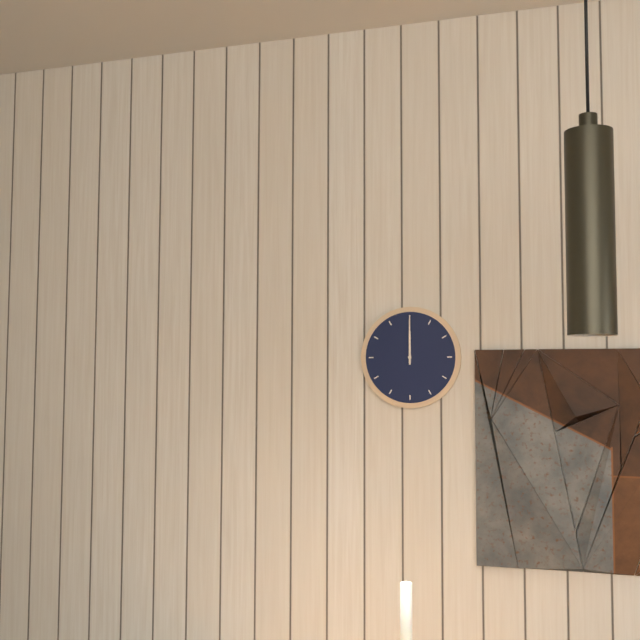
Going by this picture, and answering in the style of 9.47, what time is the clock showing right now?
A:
12.00
